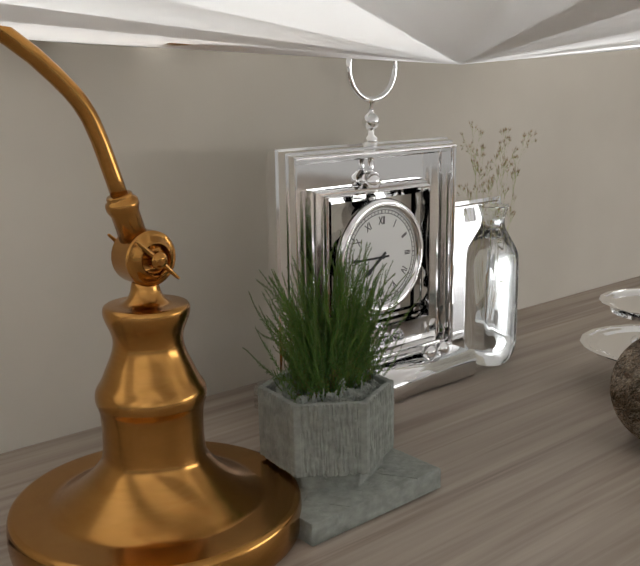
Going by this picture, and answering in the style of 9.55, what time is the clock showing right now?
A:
7.45
